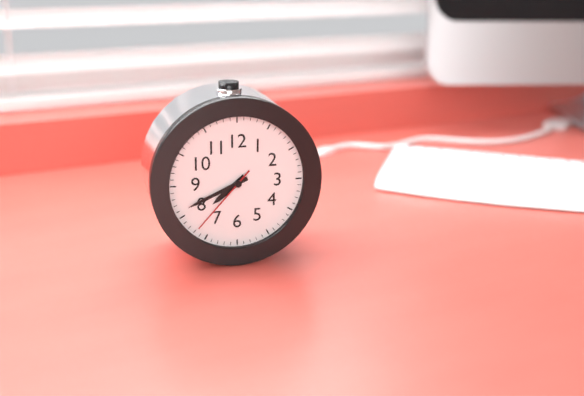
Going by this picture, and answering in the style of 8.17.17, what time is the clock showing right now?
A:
7.41.37
